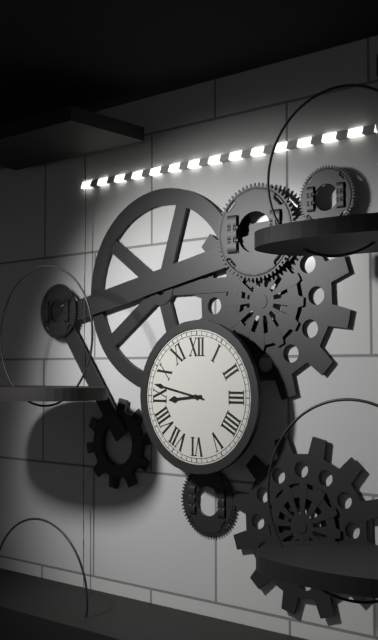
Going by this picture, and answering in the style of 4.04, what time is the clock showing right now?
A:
8.47
